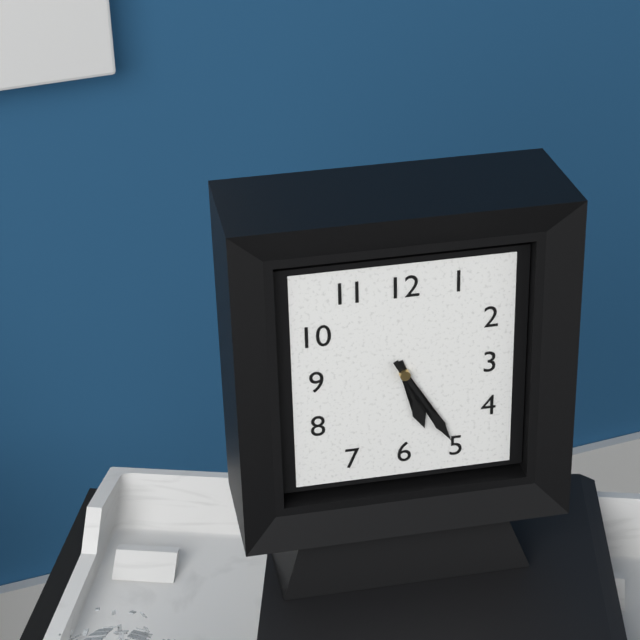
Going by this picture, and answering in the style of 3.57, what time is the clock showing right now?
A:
5.25
